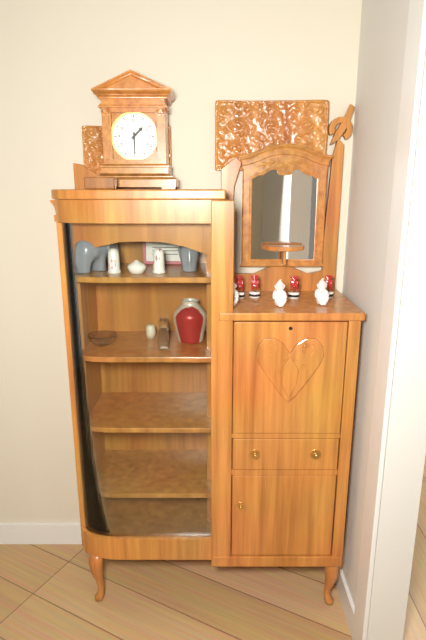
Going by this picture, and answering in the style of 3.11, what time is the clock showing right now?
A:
1.30
